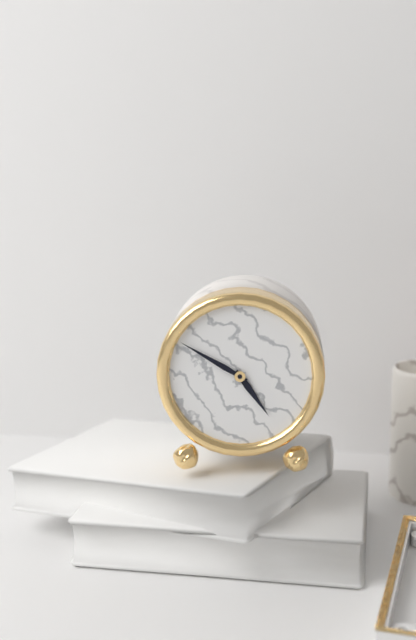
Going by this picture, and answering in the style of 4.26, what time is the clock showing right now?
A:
4.50
